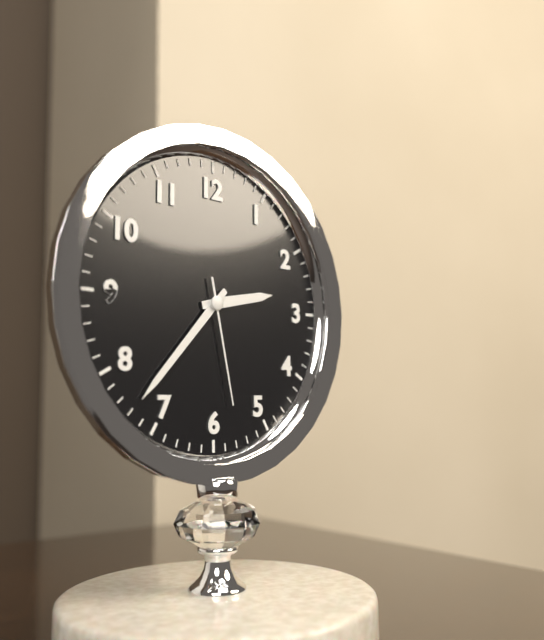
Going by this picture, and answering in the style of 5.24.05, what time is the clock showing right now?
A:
2.37.28
